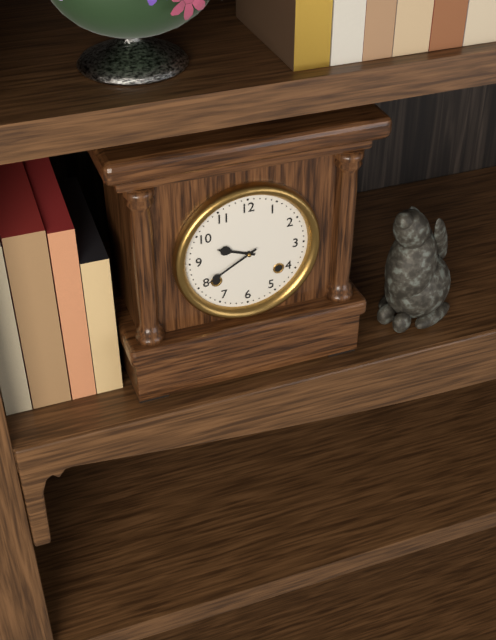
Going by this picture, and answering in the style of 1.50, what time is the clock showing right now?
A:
9.40
